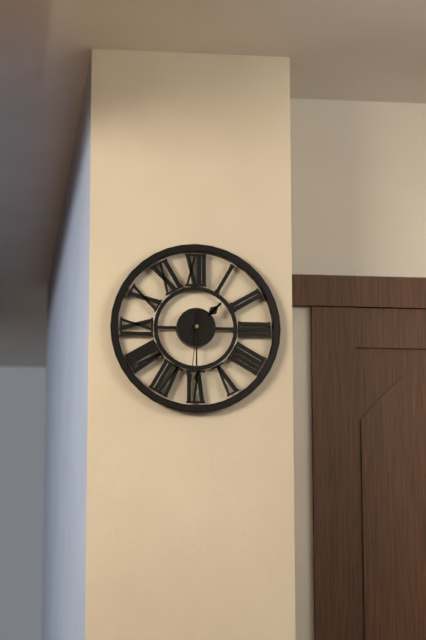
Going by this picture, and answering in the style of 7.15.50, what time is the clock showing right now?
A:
1.30.31
